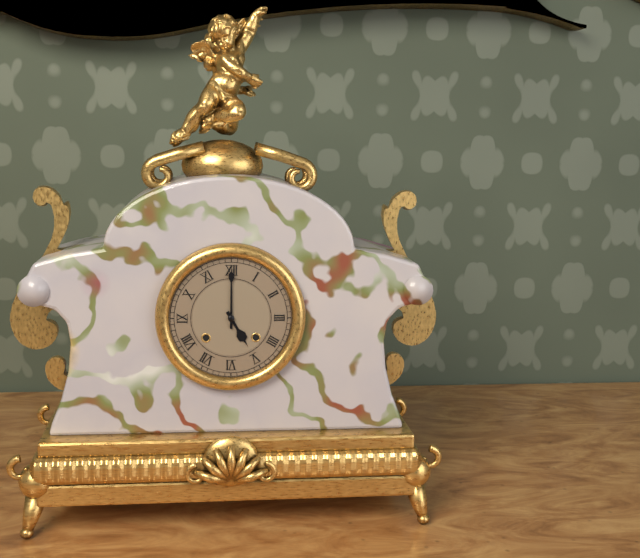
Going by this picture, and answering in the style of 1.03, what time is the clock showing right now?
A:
5.00
